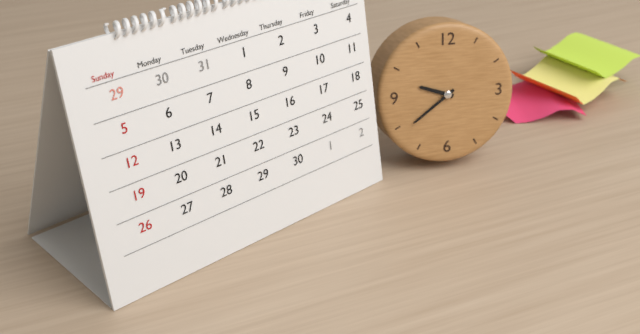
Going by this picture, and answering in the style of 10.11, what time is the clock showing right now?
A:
9.39
